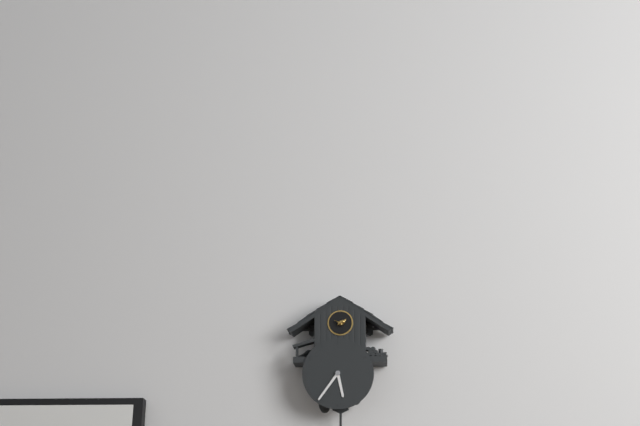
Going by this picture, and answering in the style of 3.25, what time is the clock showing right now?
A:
5.36
